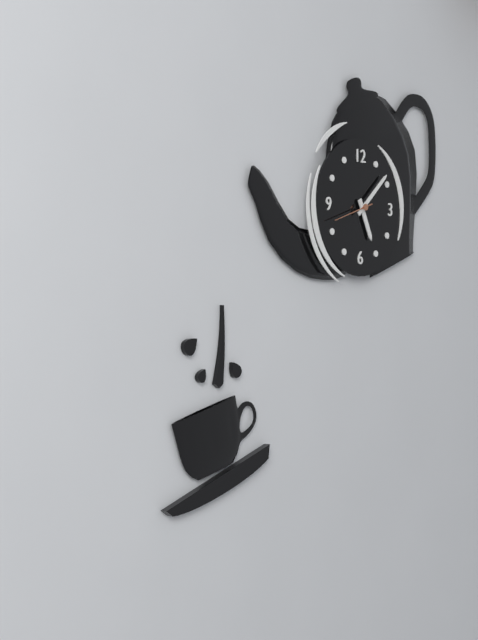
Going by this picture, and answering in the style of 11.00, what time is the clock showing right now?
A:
5.08
